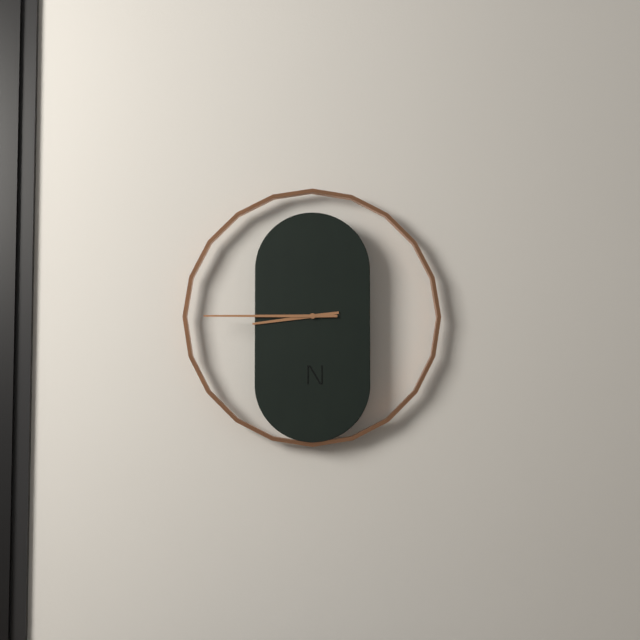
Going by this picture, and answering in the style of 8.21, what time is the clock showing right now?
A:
8.45
